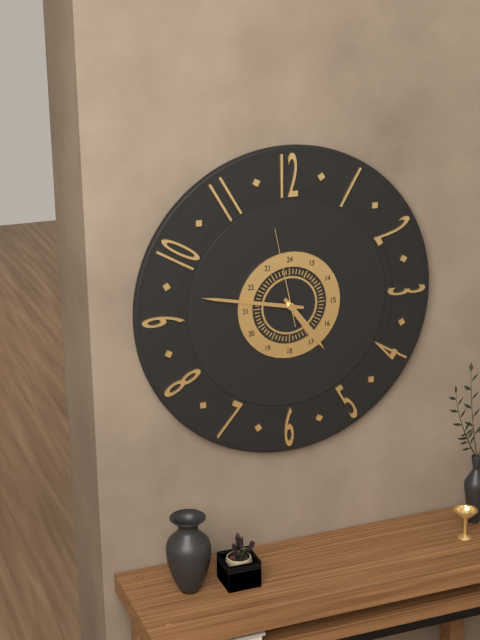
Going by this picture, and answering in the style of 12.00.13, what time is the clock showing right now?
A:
4.47.58
